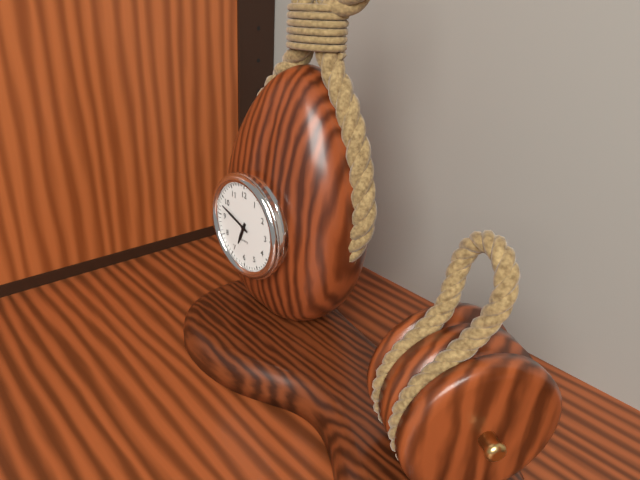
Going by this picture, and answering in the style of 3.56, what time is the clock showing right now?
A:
6.48
